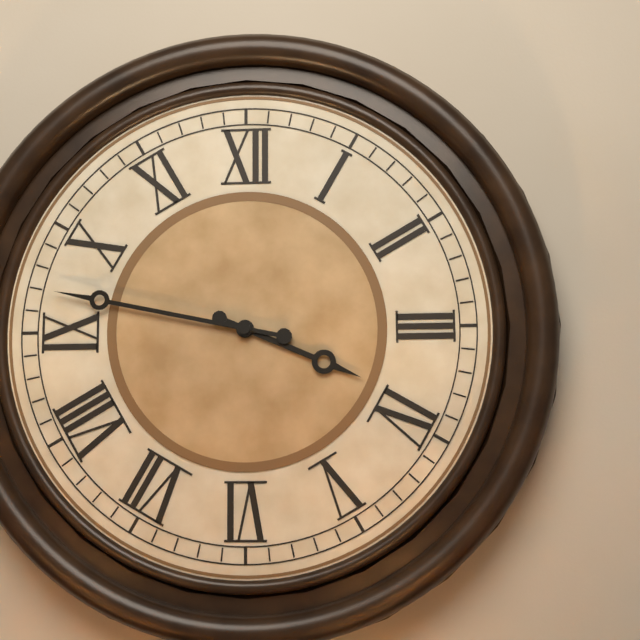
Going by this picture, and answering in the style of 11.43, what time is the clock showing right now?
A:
3.47
